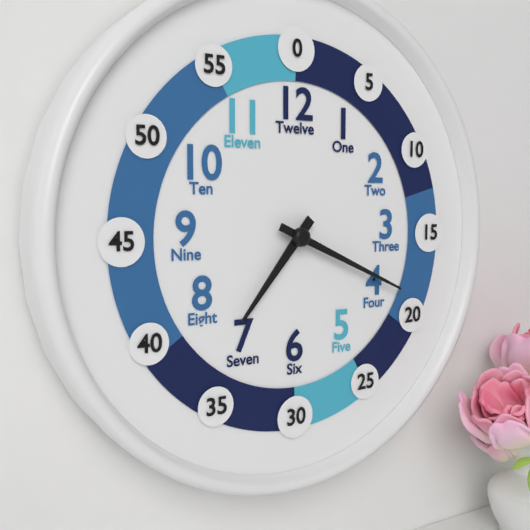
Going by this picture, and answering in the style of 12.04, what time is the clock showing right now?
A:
7.19
